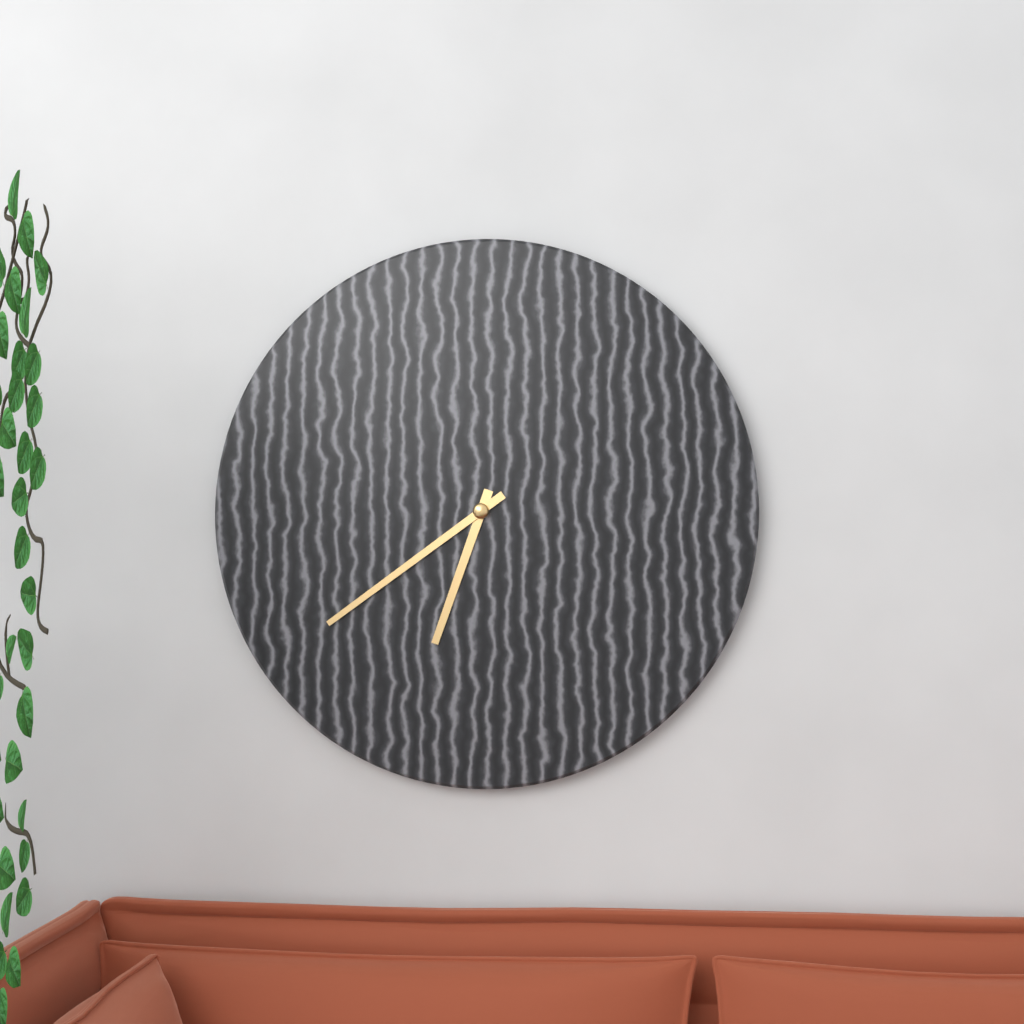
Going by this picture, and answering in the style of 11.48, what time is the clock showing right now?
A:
6.39
